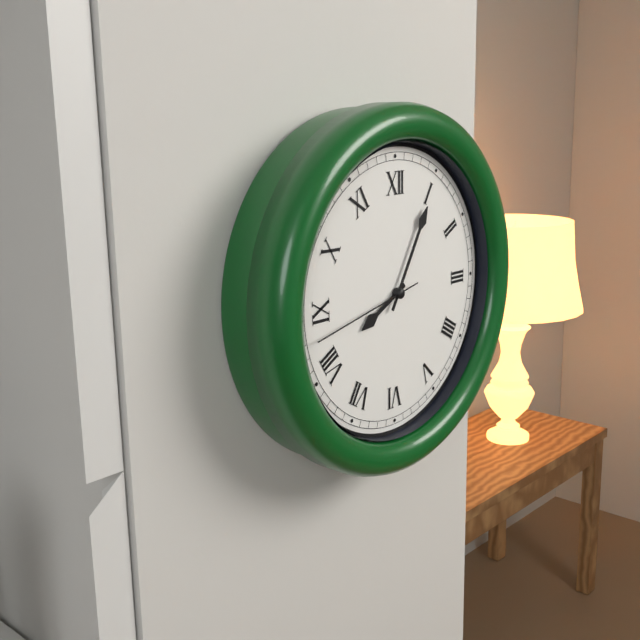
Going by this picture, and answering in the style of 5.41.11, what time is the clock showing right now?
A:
8.05.43
